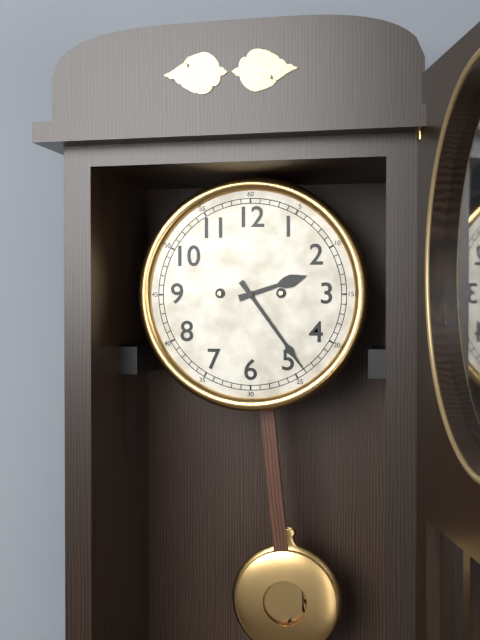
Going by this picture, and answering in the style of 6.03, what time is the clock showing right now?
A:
2.24
